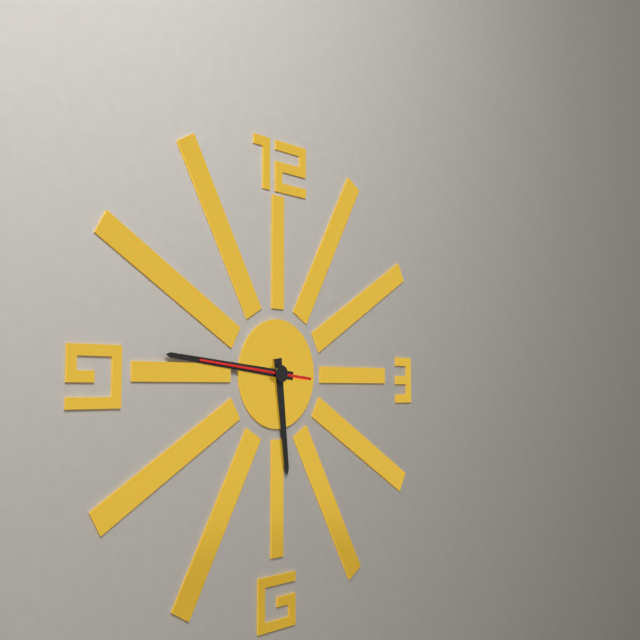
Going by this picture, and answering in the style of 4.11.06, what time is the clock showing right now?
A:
5.46.46
